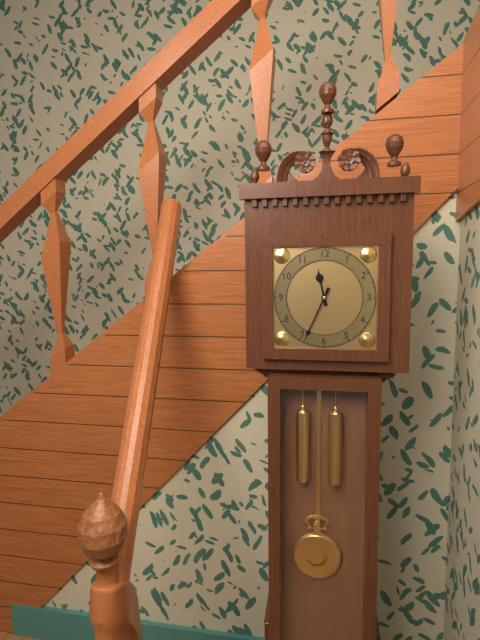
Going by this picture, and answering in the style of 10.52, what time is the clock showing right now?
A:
11.34
